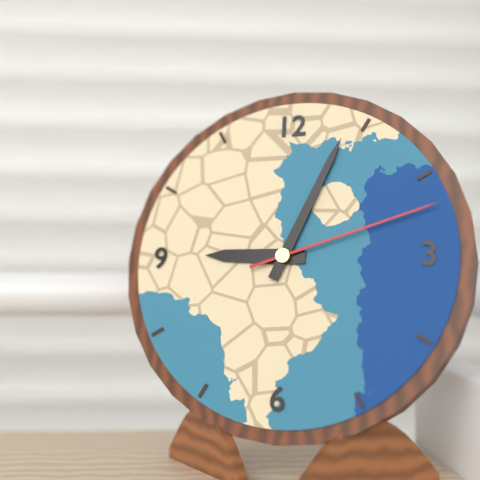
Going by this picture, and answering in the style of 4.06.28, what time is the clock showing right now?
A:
9.04.12
